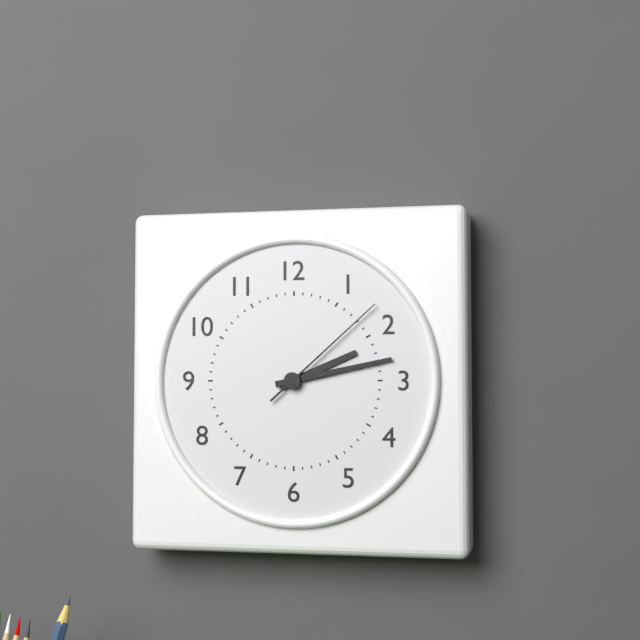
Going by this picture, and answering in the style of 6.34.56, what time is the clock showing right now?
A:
2.13.08
